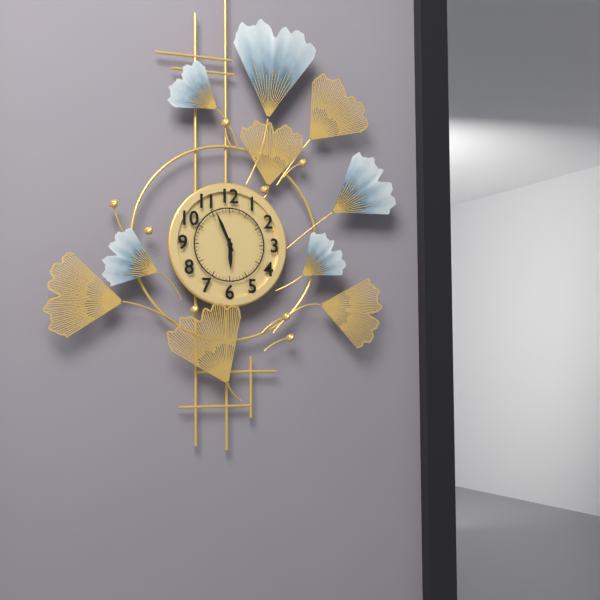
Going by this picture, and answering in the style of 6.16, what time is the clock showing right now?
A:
5.56
